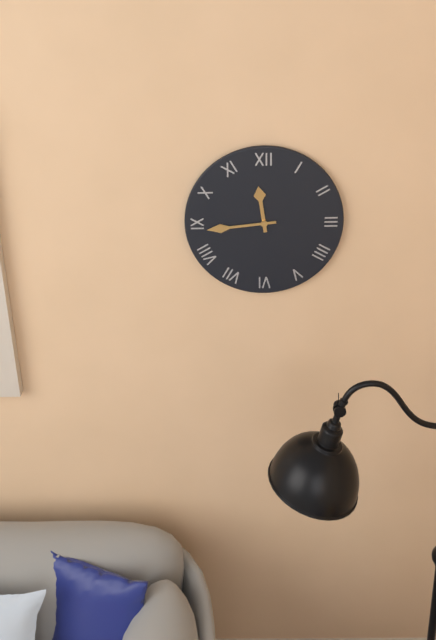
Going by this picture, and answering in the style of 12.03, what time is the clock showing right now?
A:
11.44
